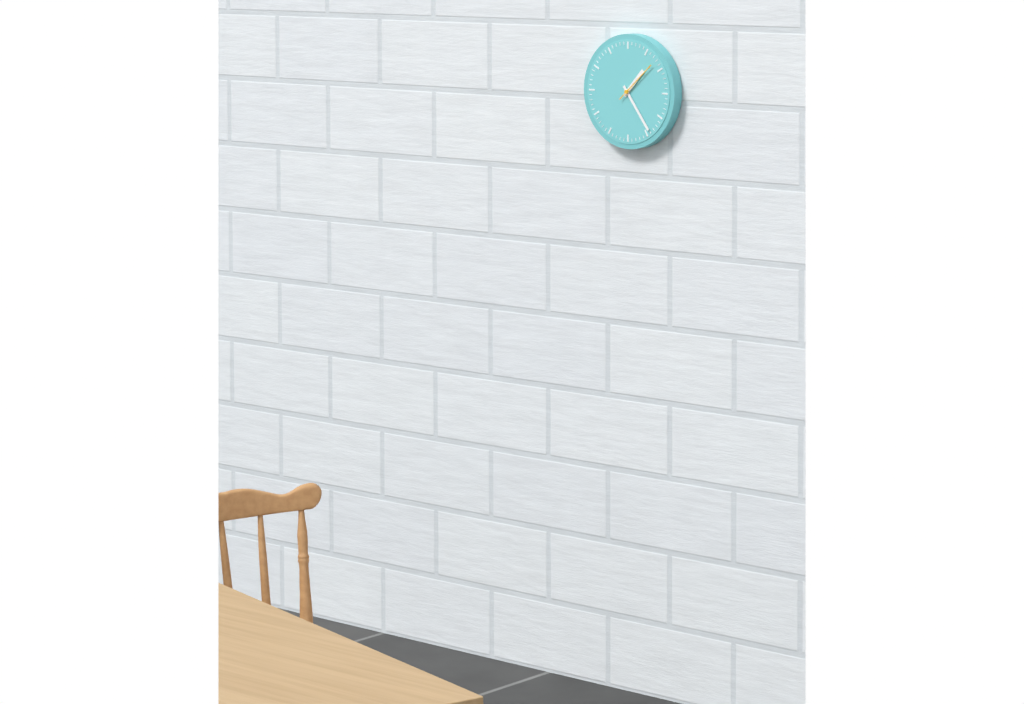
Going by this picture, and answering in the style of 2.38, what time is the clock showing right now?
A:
1.24
